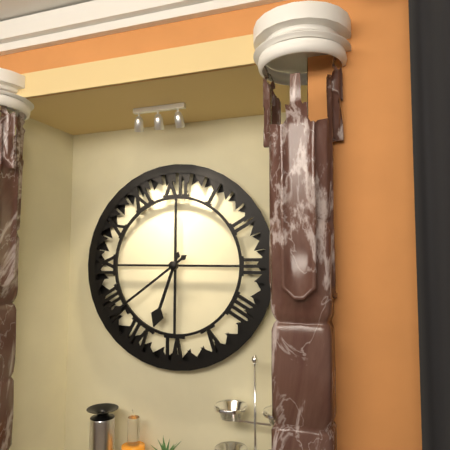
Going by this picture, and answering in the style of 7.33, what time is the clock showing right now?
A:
6.39
